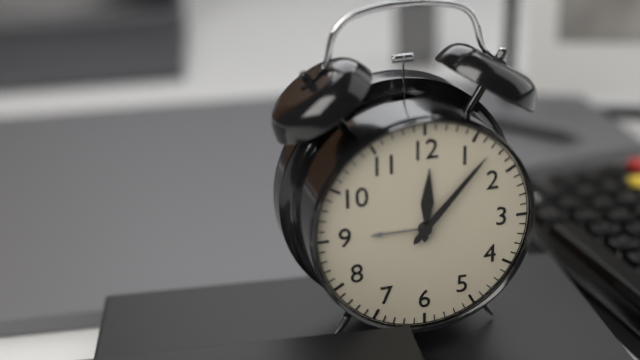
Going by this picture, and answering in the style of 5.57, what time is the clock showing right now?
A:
12.07
